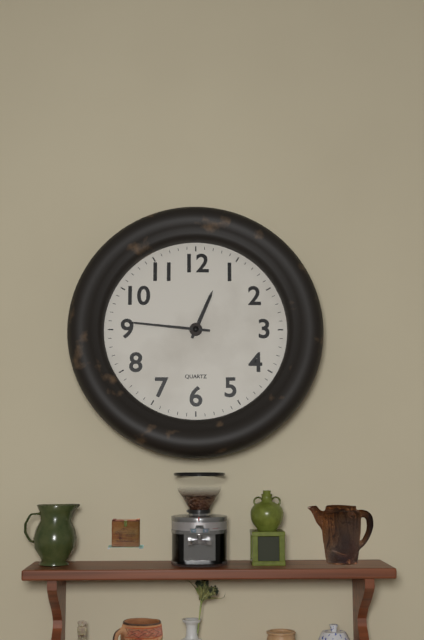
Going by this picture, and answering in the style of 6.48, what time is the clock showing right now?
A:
12.46
